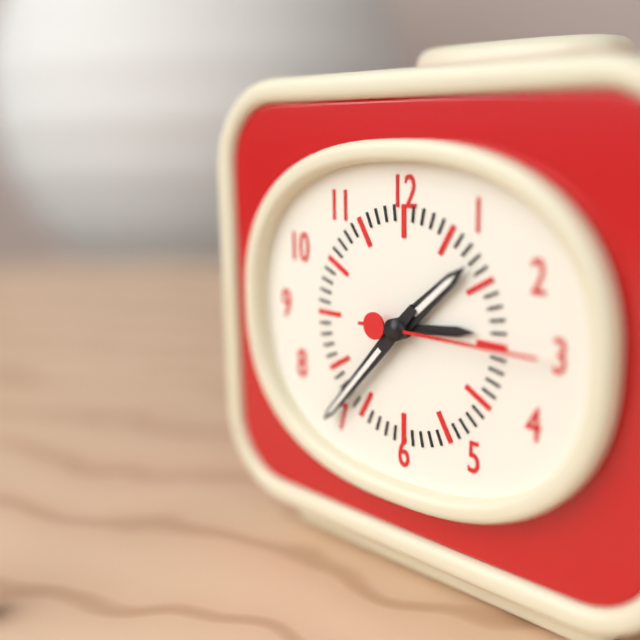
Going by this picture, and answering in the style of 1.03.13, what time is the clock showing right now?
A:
1.37.15
